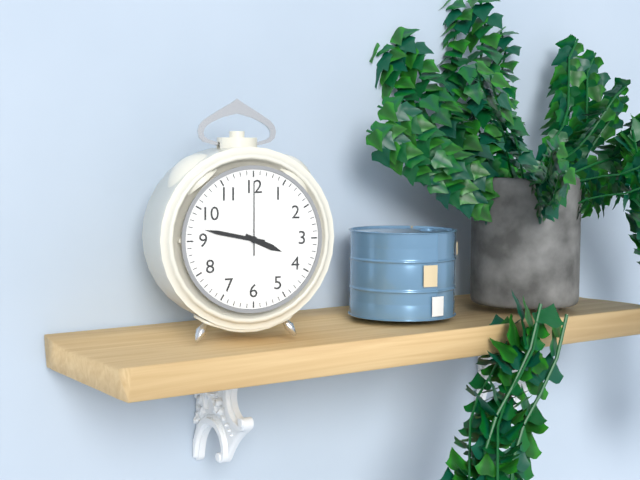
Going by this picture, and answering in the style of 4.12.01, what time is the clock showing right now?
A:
3.47.00
